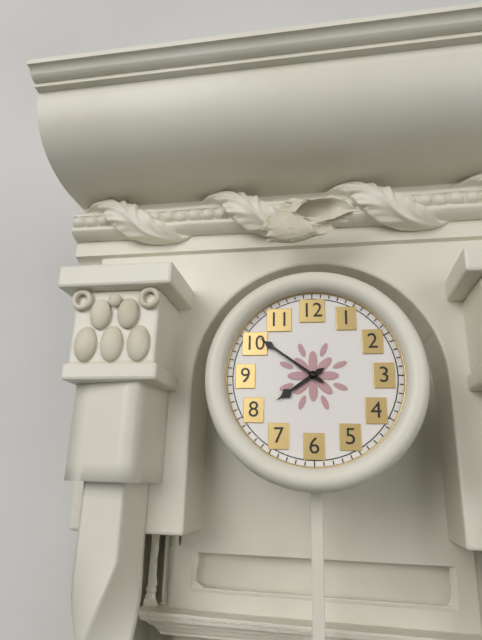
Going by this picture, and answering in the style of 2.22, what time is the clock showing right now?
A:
7.51
